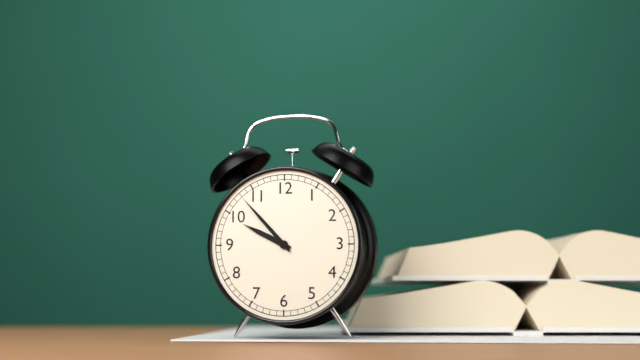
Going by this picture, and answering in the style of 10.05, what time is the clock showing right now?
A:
9.53
